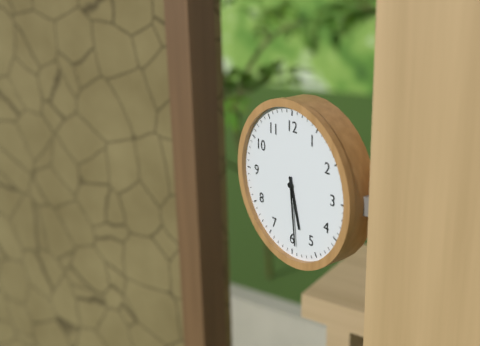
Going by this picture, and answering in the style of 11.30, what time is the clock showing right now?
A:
5.29
